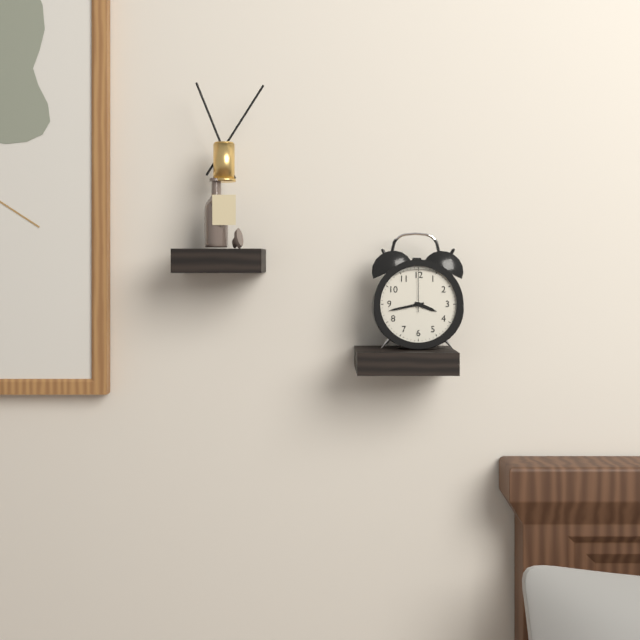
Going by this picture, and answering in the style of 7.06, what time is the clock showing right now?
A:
3.43
